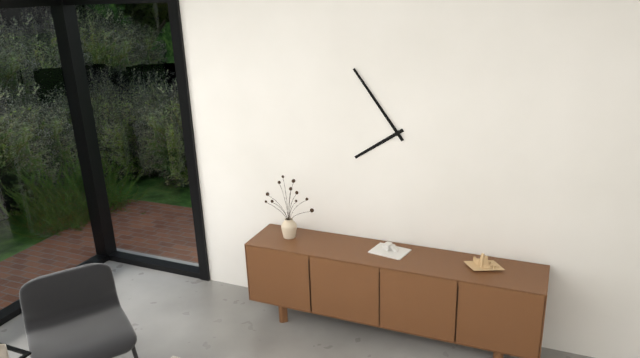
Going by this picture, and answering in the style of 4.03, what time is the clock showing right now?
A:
7.54
